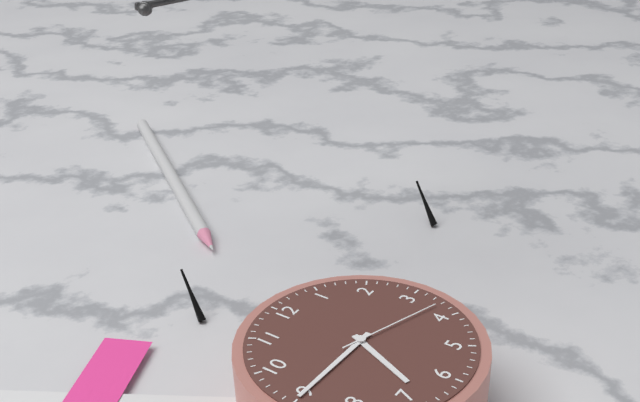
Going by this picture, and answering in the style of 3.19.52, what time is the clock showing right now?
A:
6.45.18
